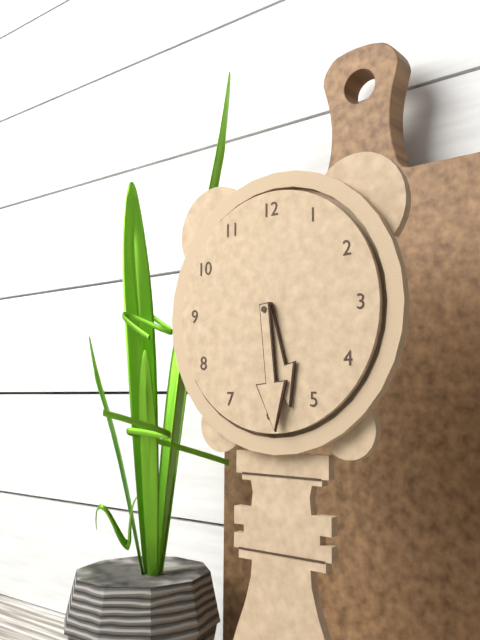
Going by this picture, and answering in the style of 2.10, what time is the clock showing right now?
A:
5.29
